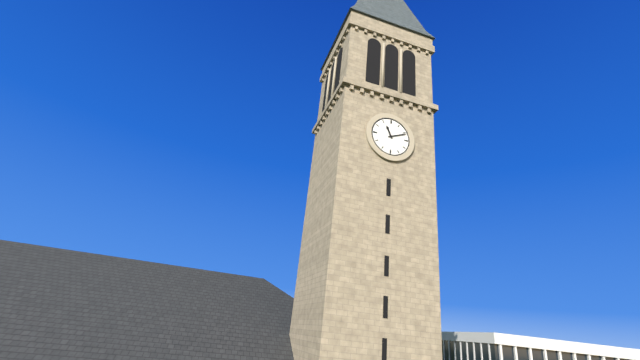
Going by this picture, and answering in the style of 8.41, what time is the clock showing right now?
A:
11.11
